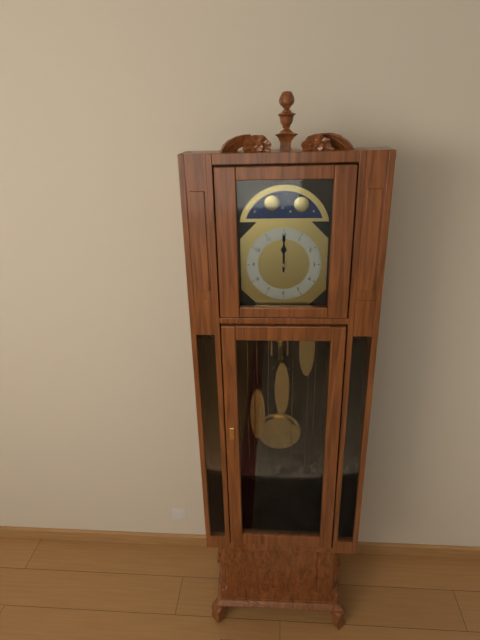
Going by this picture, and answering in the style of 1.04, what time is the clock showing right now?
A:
12.00
